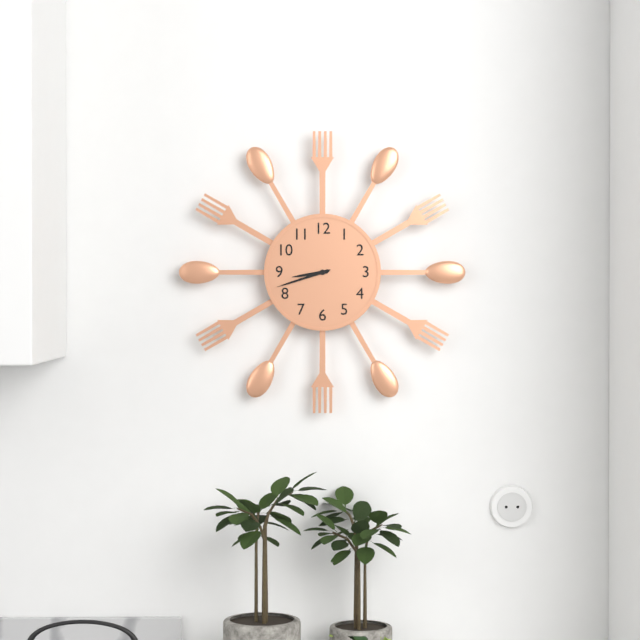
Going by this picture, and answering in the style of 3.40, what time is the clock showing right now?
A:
8.42
